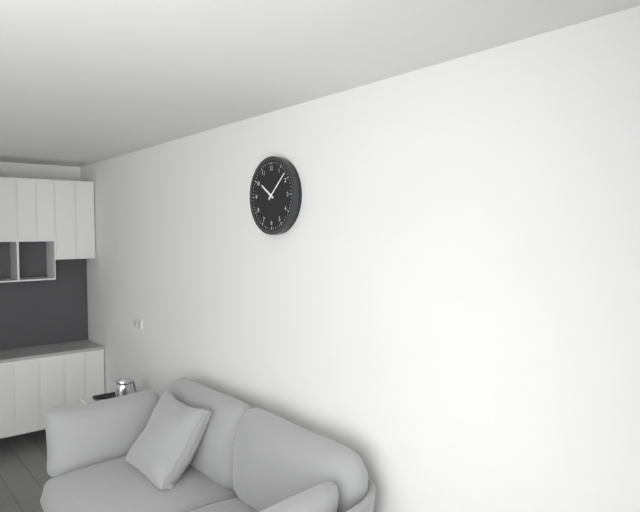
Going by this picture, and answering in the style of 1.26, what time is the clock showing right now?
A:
10.08
